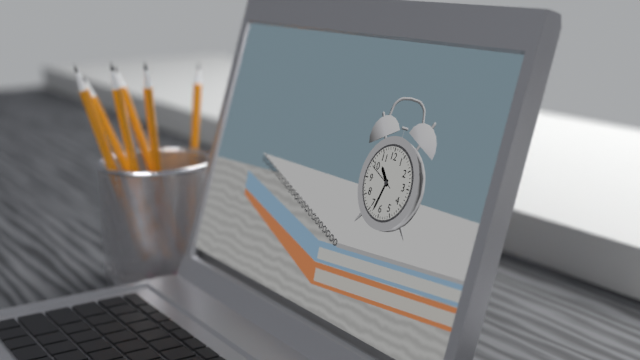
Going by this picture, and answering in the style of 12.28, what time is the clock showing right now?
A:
10.33
